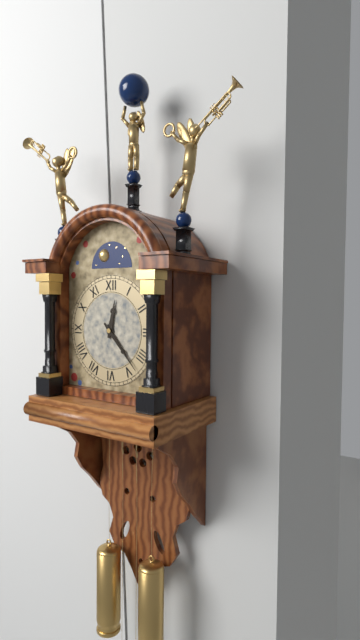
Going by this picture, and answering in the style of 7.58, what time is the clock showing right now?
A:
12.23
